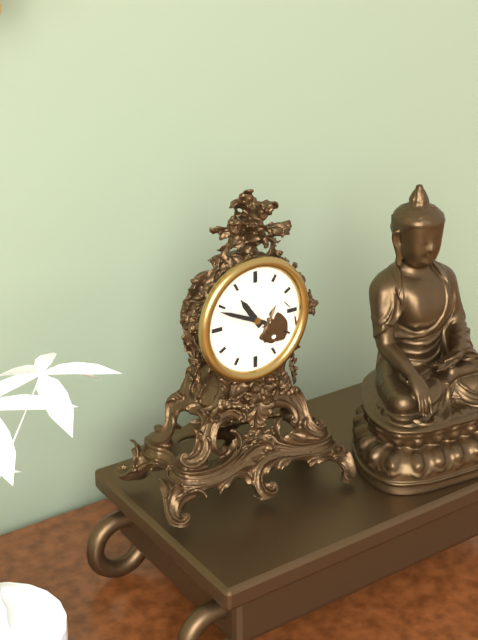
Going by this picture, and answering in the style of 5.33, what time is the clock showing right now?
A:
10.49
